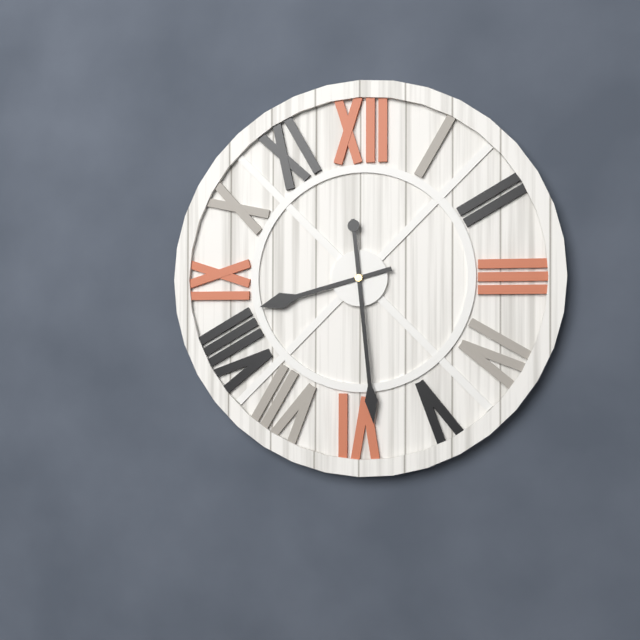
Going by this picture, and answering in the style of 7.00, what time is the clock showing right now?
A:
8.29
